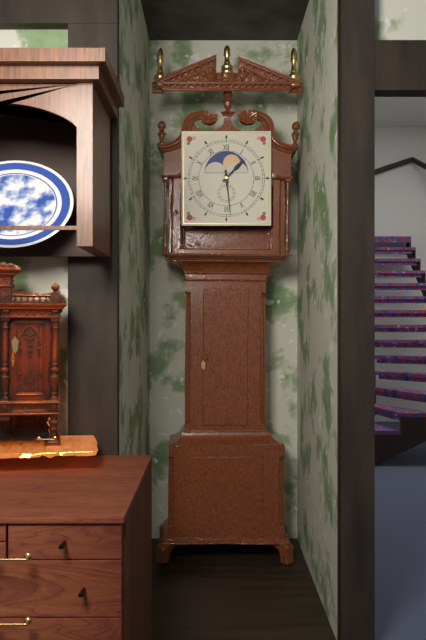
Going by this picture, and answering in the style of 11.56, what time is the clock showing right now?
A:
1.29
